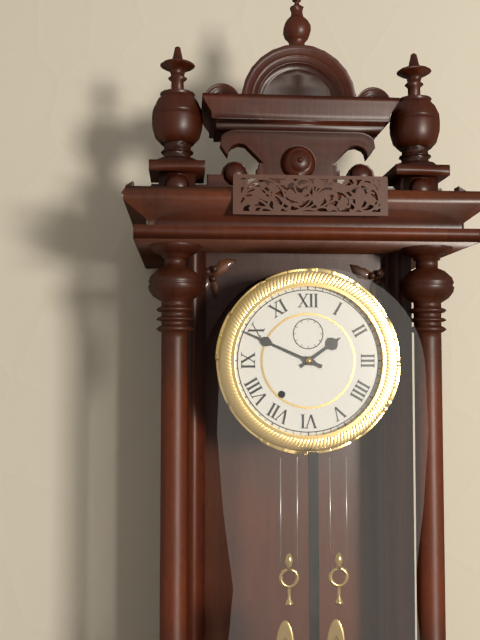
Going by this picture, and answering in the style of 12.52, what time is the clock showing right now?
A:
1.49
